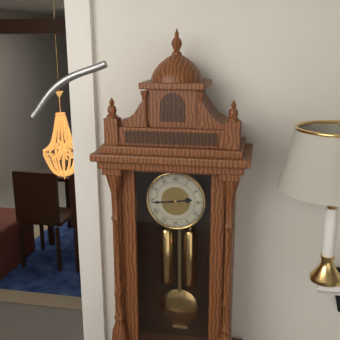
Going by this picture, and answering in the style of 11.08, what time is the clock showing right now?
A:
2.44
